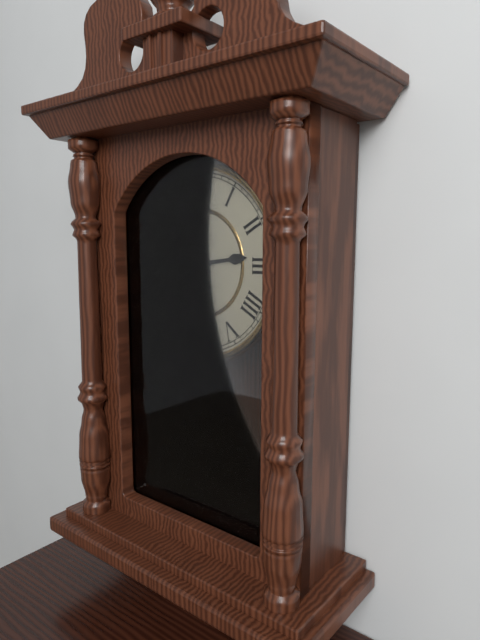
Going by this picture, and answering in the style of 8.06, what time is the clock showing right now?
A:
2.45
